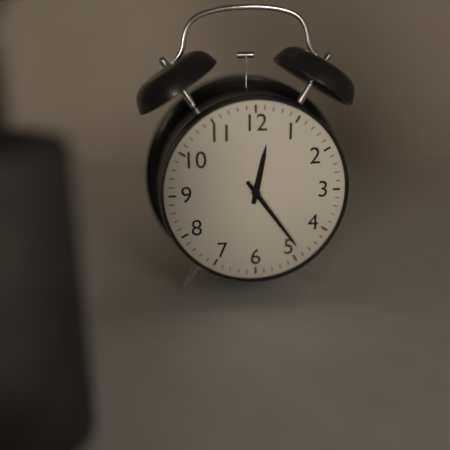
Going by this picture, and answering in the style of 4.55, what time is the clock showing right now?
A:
12.24
